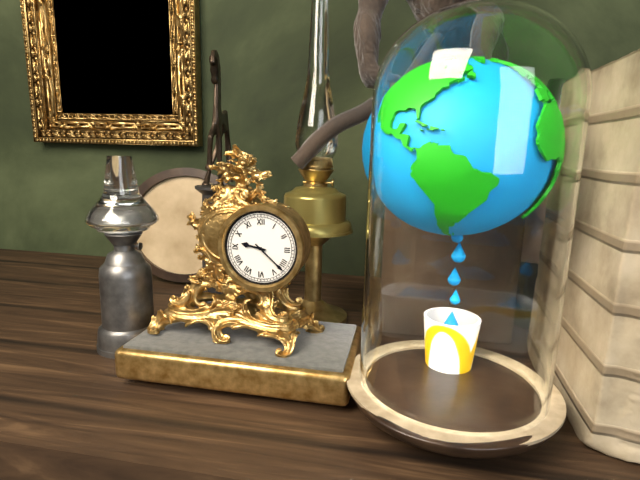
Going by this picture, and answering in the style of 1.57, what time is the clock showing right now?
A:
9.22
